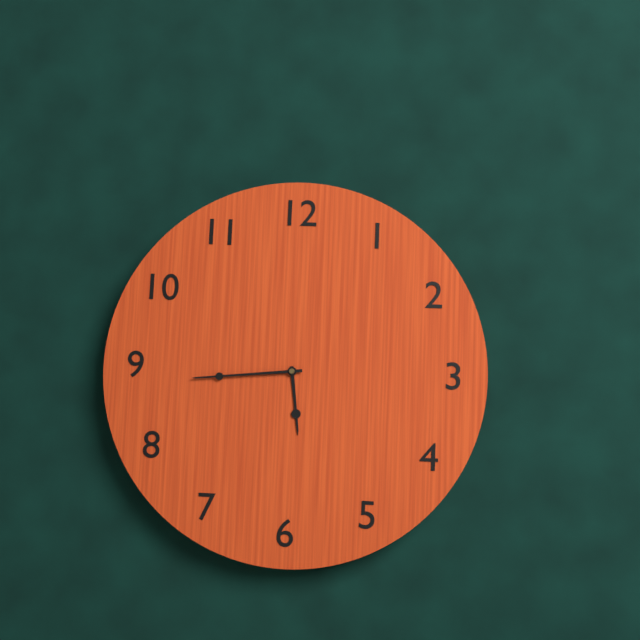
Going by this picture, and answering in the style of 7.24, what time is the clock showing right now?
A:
5.44
